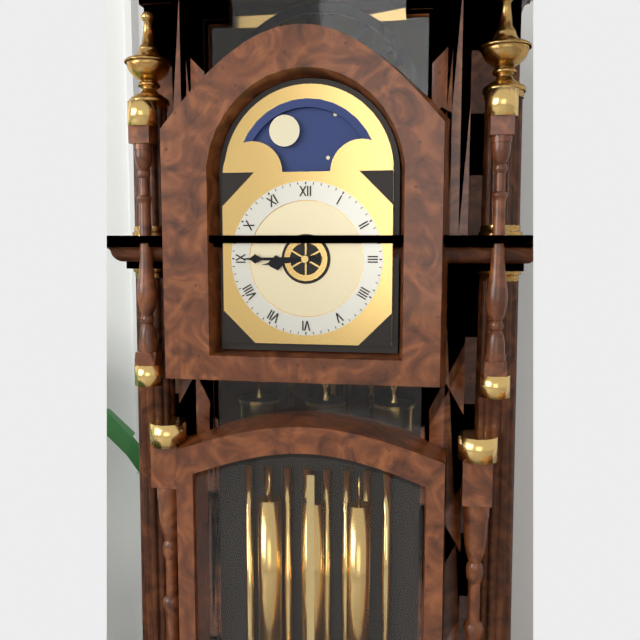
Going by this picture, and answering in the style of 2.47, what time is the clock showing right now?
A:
8.45
